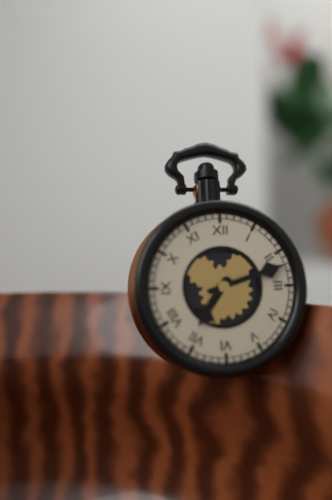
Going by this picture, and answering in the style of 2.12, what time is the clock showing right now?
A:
7.12
